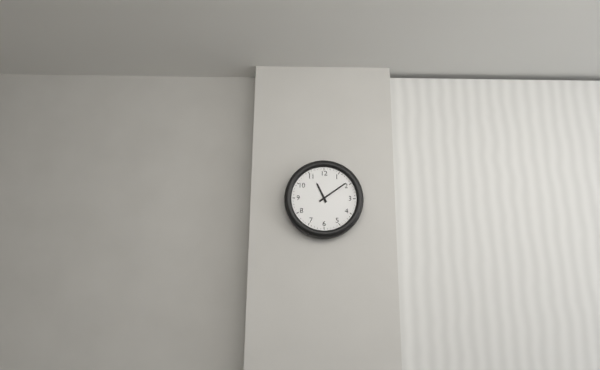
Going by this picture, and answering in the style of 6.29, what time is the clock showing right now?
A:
11.09
